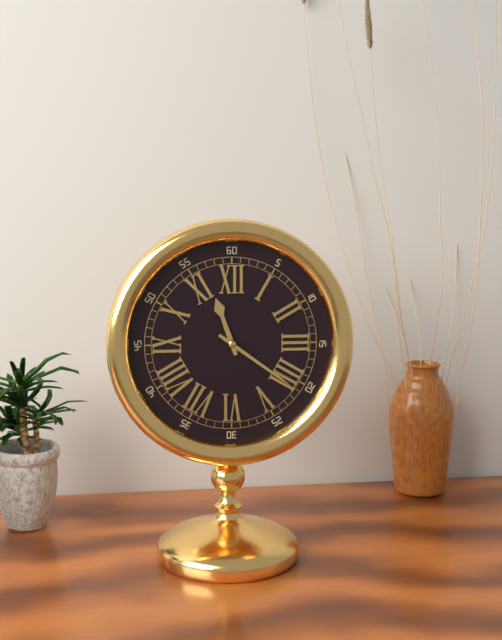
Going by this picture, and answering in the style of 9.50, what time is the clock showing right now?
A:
11.21
